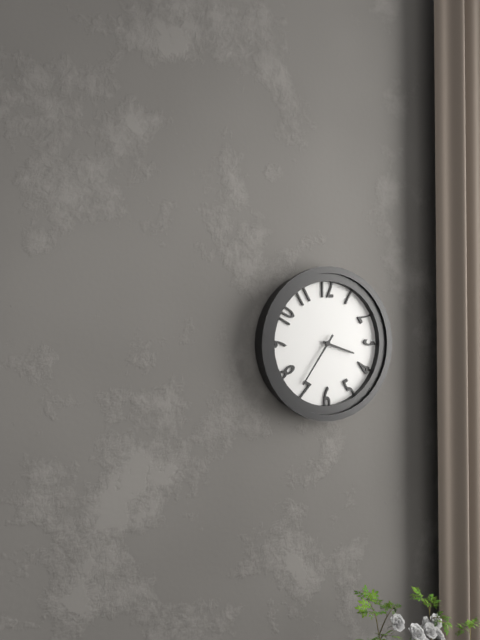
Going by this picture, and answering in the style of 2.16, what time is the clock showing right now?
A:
3.36
